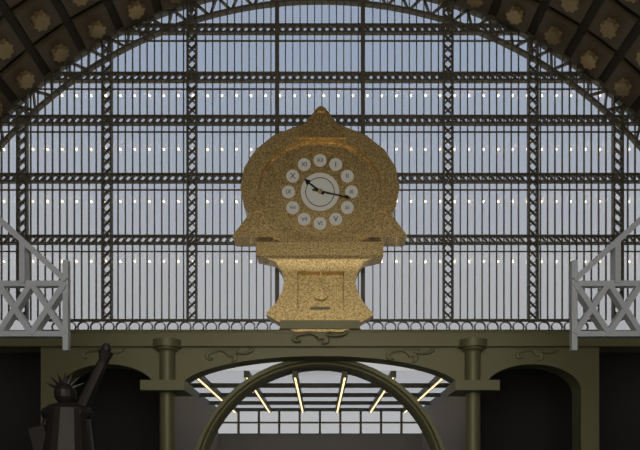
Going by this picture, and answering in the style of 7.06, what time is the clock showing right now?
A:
10.17
